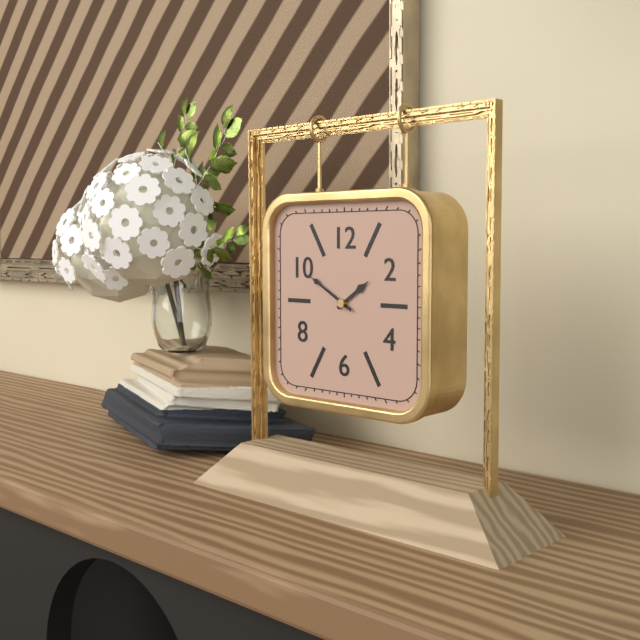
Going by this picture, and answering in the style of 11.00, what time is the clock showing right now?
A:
1.50
